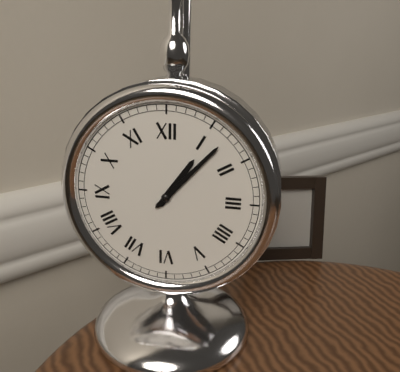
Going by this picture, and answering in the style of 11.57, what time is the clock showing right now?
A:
1.07
